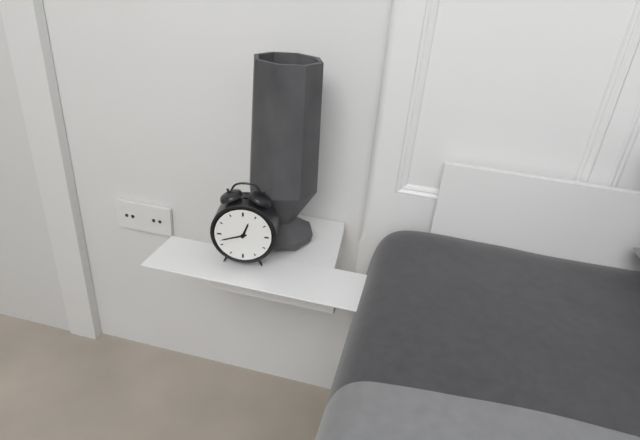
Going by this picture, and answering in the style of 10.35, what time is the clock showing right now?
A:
12.42
